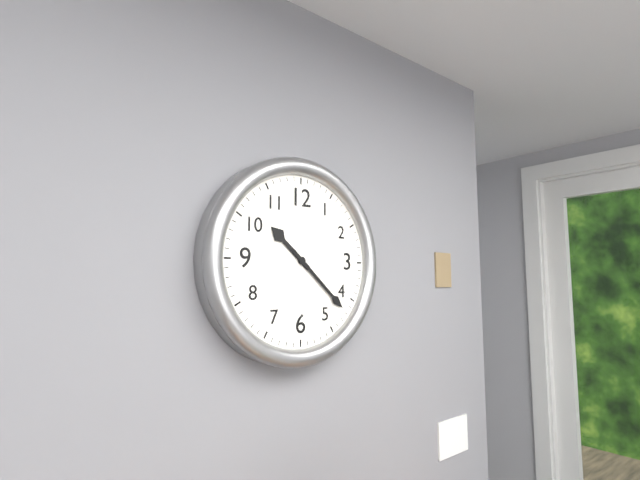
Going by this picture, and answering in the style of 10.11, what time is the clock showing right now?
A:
10.22
